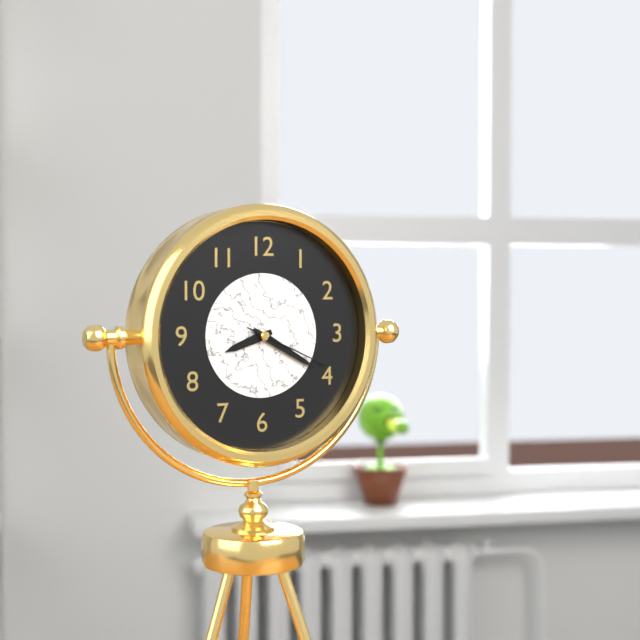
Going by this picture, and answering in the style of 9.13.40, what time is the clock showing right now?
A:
8.20.19
